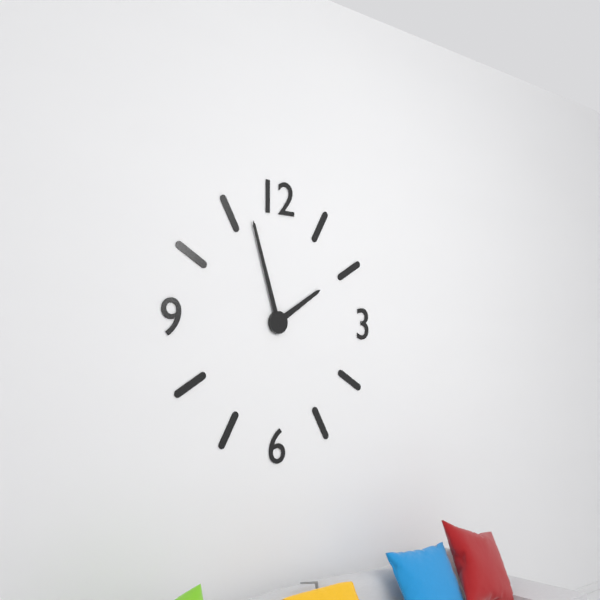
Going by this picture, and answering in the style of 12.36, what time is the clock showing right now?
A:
1.57
